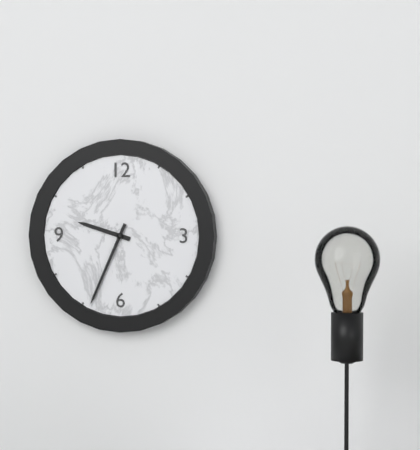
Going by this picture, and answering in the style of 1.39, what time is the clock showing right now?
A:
9.34
